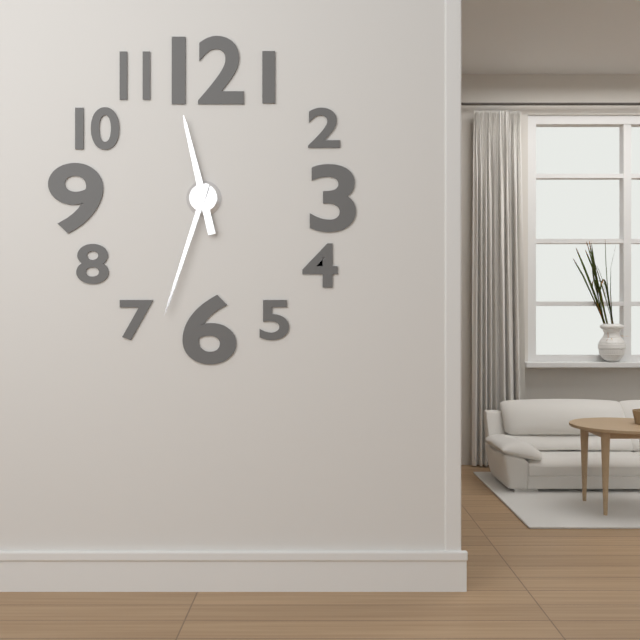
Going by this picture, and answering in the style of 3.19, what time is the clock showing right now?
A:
11.33
